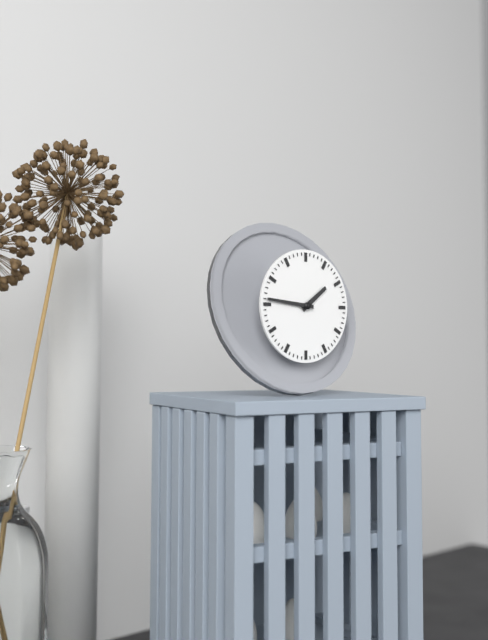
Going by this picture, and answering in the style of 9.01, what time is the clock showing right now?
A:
1.46
